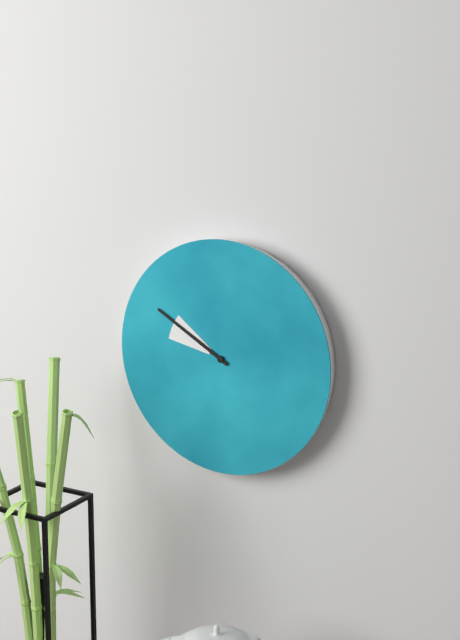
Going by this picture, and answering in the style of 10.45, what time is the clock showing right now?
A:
9.50
